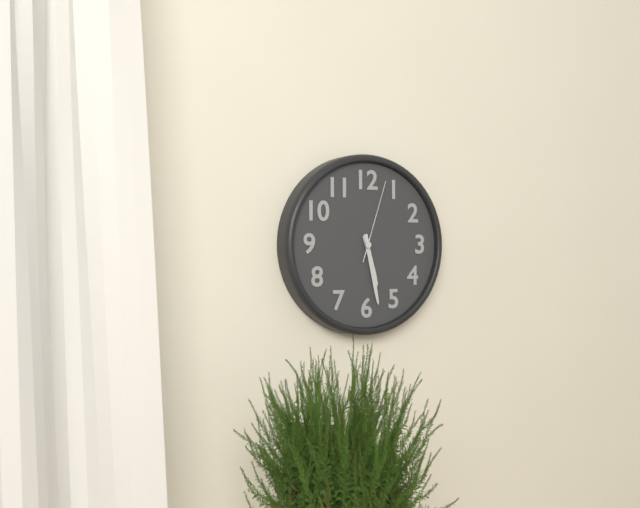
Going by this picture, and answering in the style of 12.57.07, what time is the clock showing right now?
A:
5.28.03
